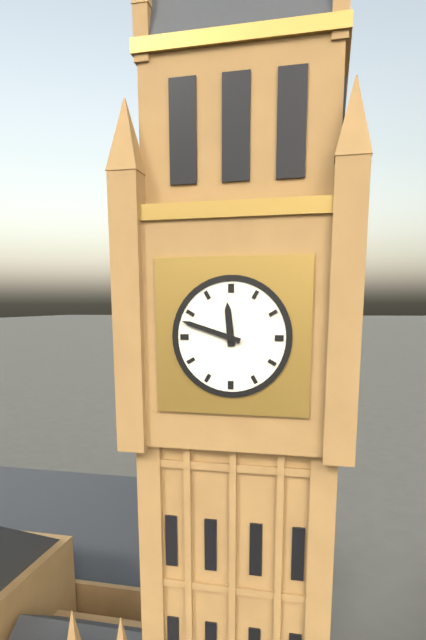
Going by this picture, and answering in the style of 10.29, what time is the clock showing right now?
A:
11.48
